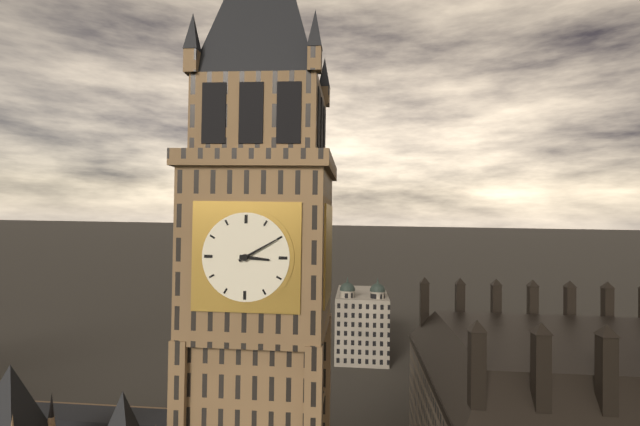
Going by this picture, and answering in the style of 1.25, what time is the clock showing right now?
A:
3.10
